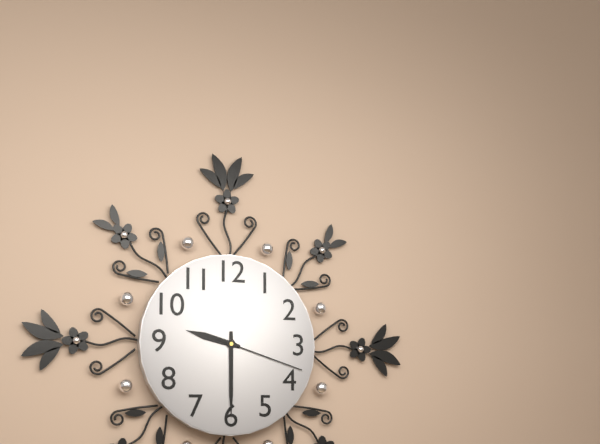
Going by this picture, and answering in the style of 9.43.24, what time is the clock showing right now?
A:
9.30.18
